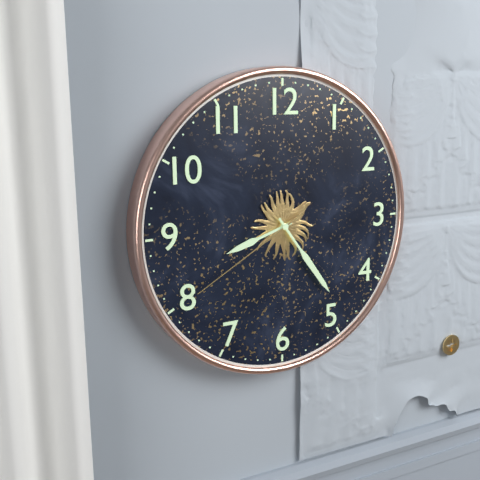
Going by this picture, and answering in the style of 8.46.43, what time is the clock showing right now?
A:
8.24.40
